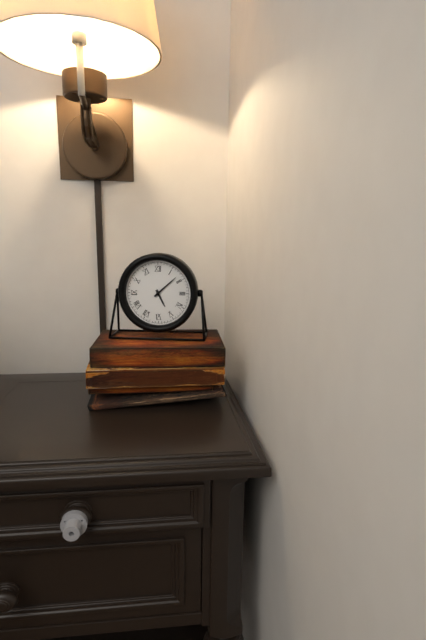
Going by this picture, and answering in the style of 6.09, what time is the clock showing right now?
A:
5.08
